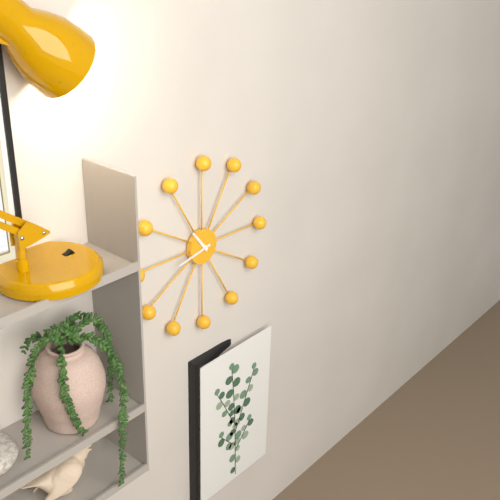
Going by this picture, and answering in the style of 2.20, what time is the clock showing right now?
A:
10.43
